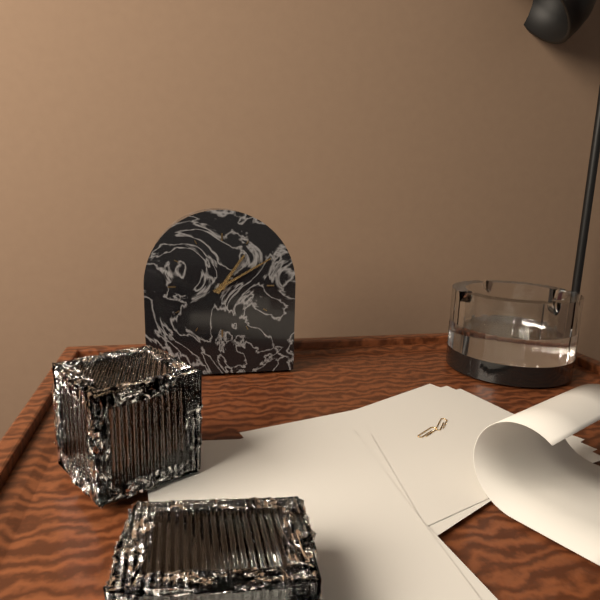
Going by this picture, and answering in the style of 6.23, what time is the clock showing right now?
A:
1.10
